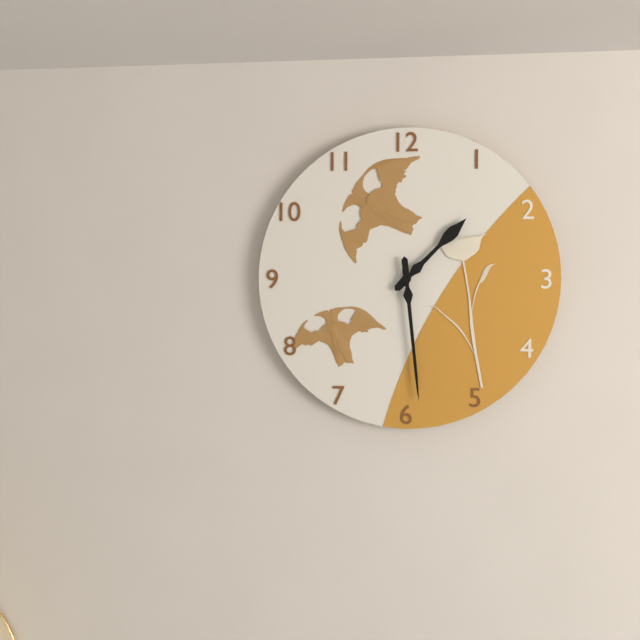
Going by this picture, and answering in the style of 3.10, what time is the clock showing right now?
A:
1.29
